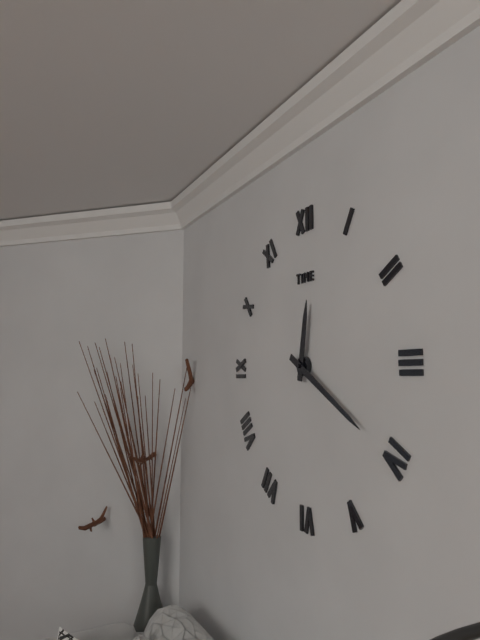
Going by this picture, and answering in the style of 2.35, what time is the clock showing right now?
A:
12.20
